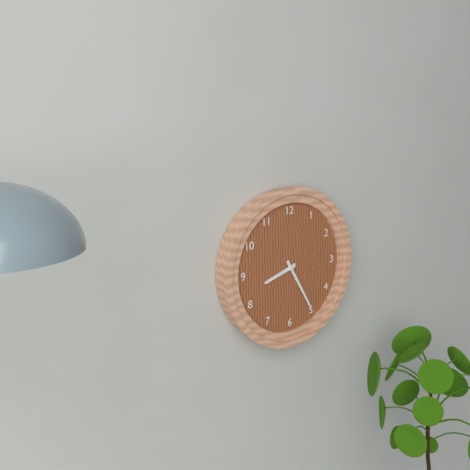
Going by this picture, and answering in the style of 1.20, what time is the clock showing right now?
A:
8.25
